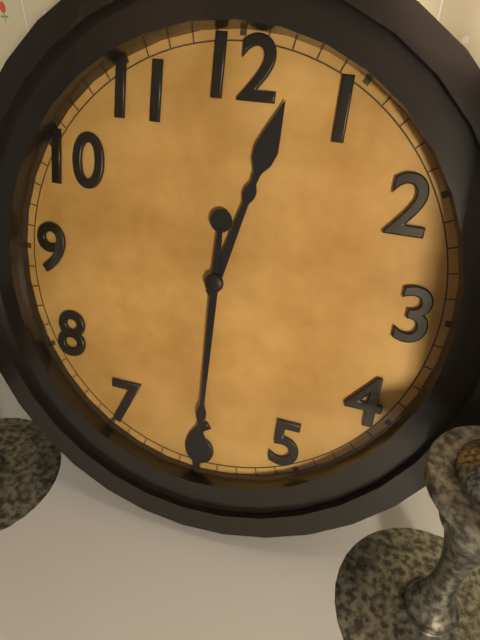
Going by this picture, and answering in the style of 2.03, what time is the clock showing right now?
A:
12.30
